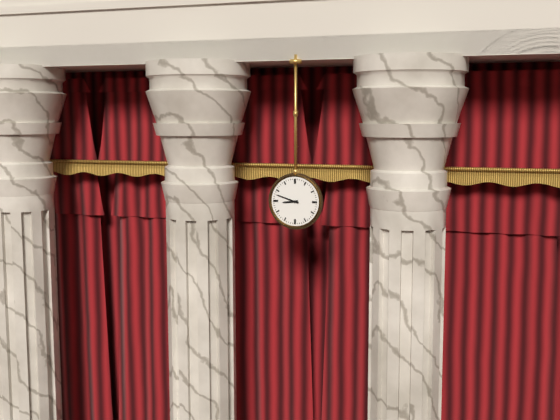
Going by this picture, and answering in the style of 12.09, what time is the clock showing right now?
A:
8.48
